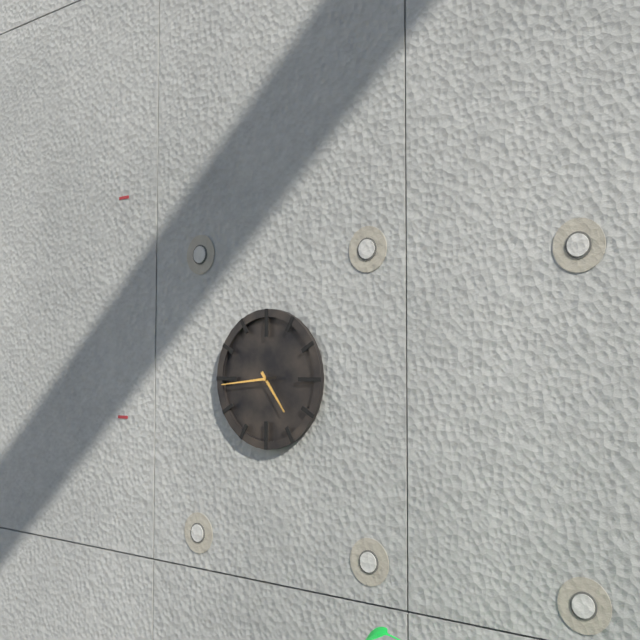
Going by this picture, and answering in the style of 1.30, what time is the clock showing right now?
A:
4.44
